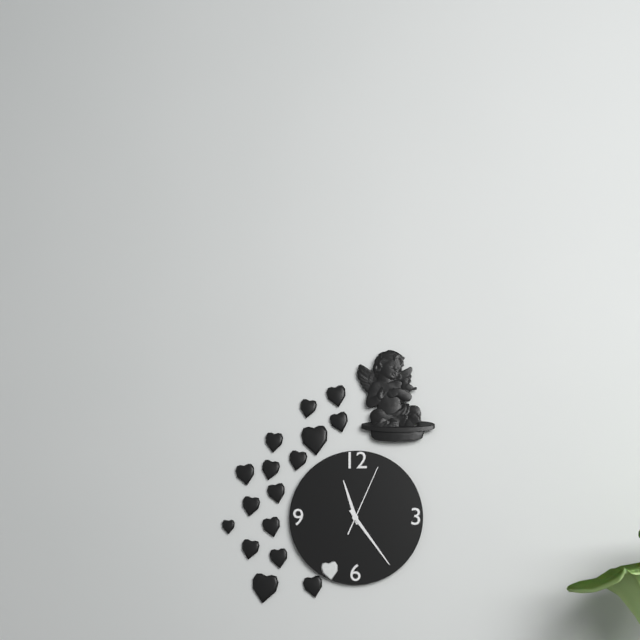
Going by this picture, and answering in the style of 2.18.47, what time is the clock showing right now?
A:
11.24.04
